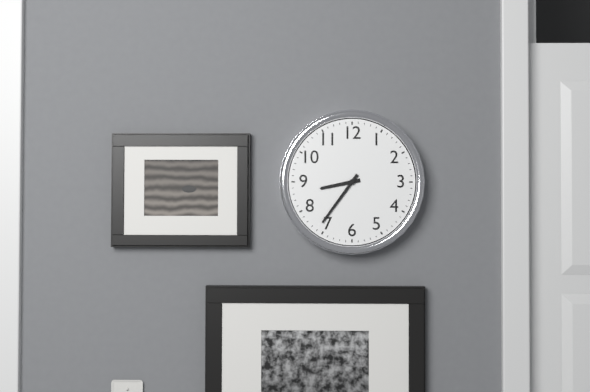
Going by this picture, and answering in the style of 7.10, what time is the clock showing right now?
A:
8.36
